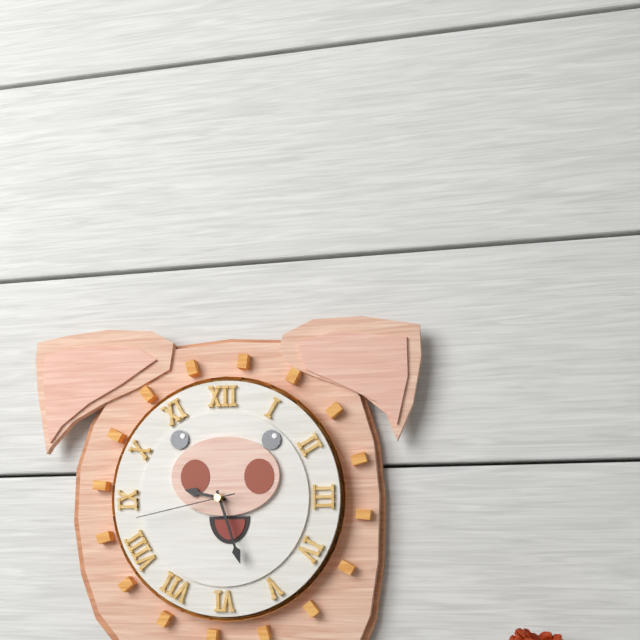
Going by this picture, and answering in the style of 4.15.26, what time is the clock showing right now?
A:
9.27.43
